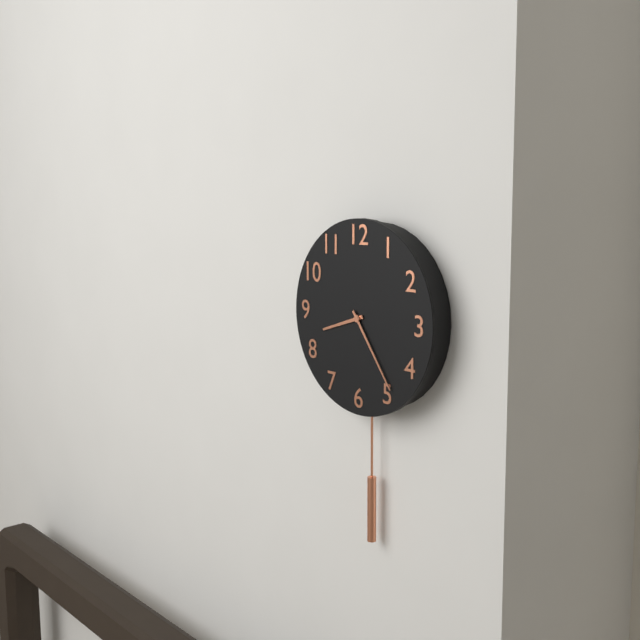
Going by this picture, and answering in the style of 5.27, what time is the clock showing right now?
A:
8.24
